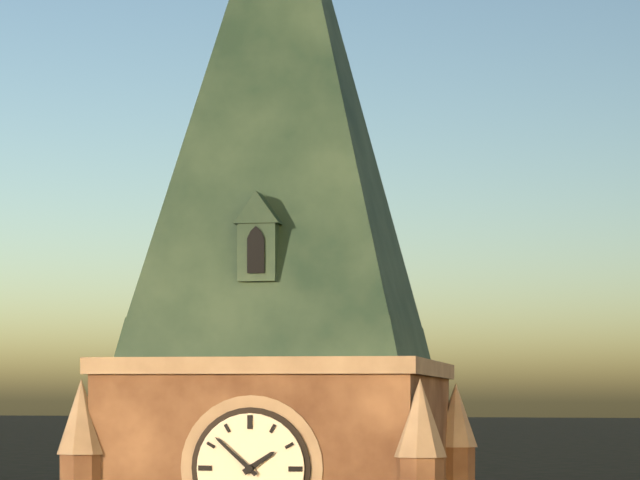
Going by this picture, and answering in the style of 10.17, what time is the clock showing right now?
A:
1.52
